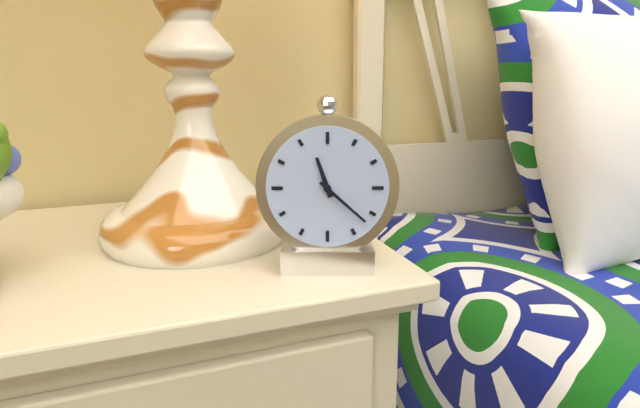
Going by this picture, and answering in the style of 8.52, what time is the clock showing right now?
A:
11.22
